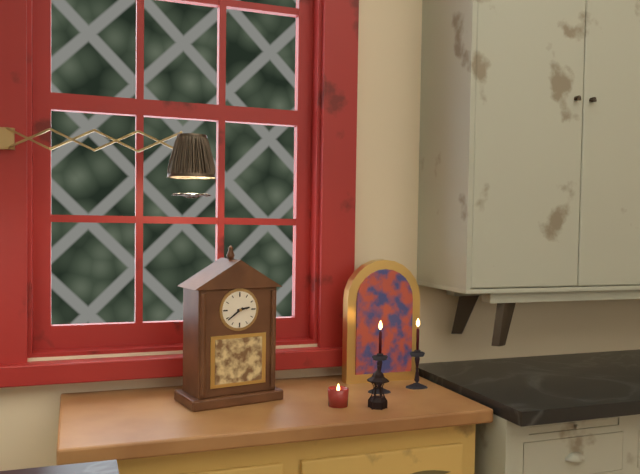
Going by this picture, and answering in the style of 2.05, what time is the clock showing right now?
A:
2.39
